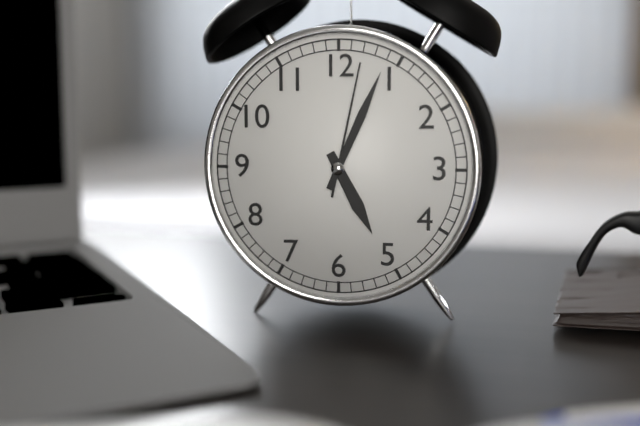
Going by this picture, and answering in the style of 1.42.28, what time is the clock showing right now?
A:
5.04.02
